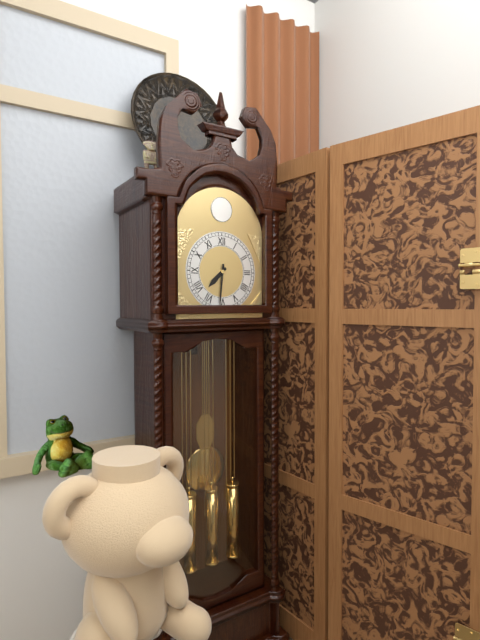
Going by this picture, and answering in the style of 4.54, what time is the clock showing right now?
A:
7.31
